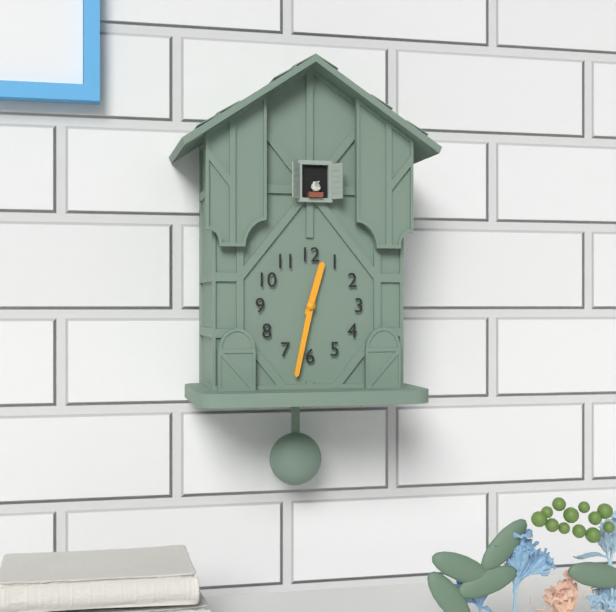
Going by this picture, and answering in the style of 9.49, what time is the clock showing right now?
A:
12.32
